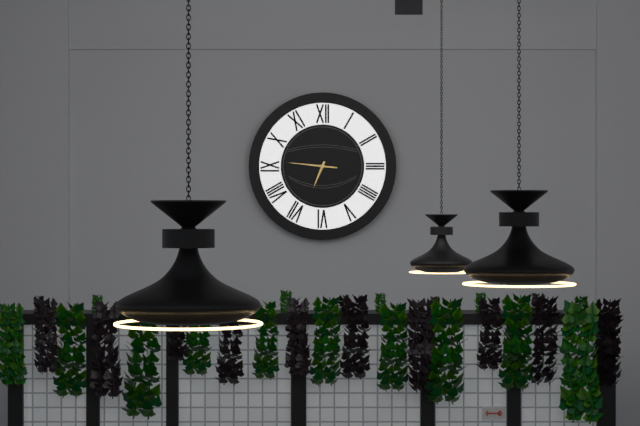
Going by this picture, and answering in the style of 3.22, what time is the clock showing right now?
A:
6.46
